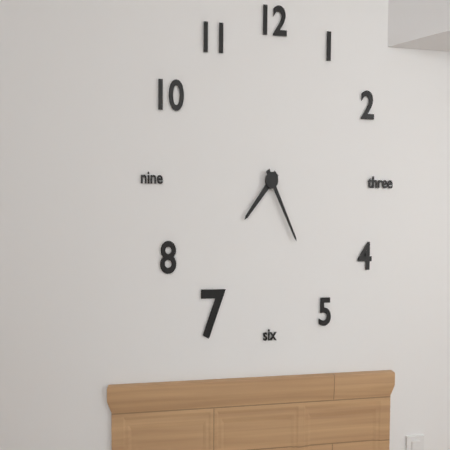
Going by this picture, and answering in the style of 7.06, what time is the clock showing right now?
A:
7.25
